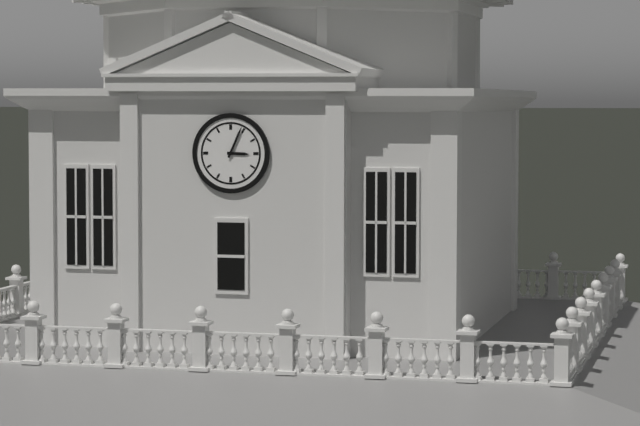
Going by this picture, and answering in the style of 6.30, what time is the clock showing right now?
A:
3.04
